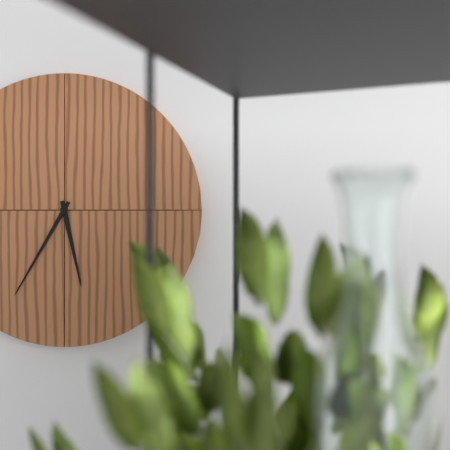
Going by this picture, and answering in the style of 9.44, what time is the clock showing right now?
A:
5.35
